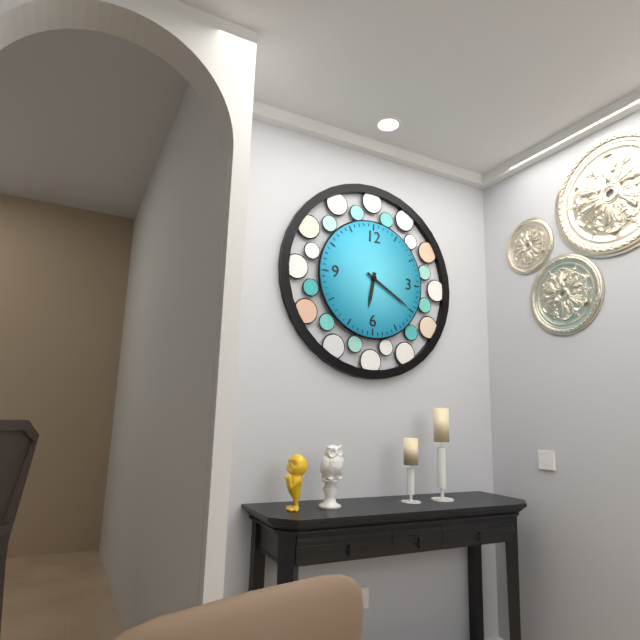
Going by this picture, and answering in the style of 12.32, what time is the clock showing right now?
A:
6.20
